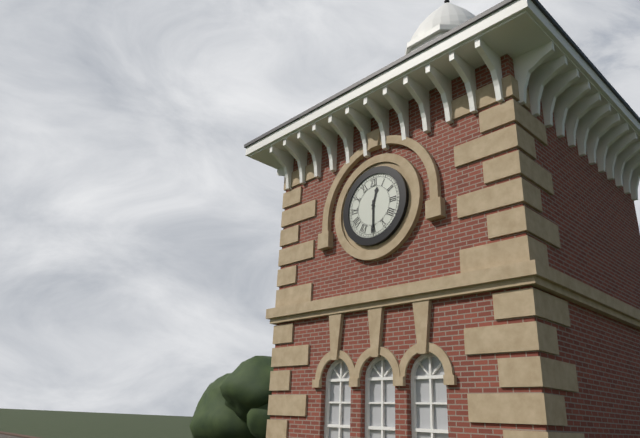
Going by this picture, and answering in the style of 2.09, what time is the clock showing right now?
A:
12.30
